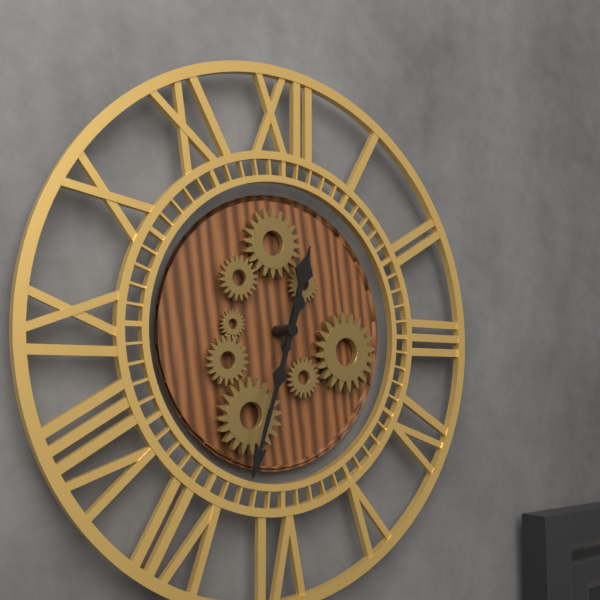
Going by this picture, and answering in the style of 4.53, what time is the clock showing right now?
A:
12.33
